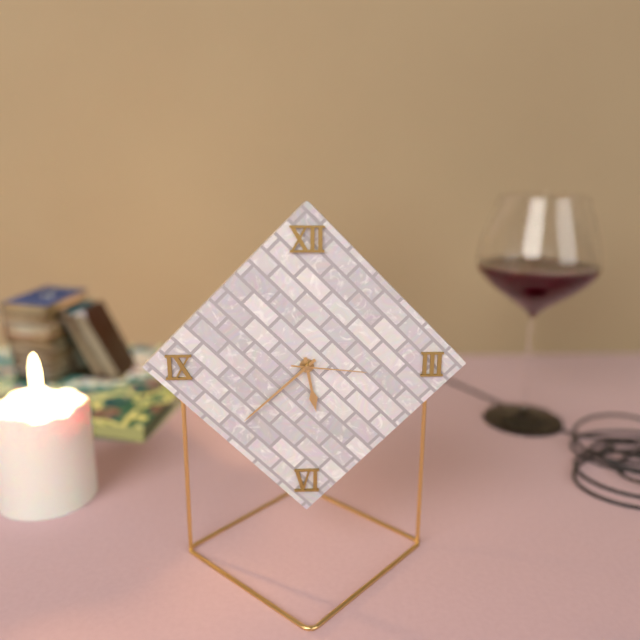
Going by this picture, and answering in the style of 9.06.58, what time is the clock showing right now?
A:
5.38.16
